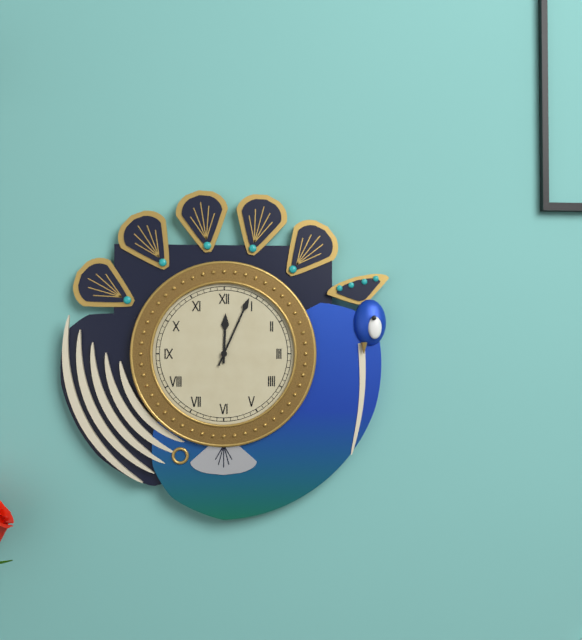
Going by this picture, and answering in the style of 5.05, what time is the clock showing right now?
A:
12.04
